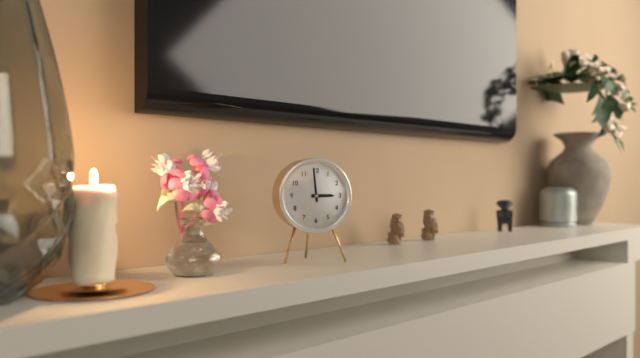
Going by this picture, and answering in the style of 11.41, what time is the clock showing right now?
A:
2.59
